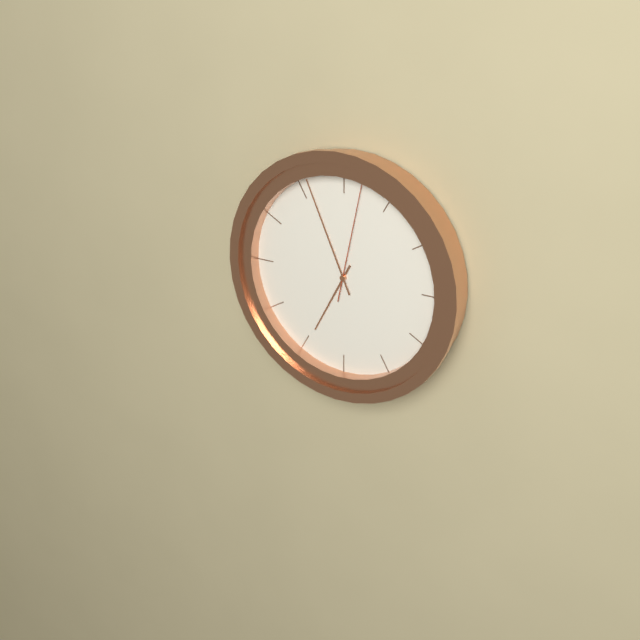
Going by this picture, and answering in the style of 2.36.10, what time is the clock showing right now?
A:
6.56.02
